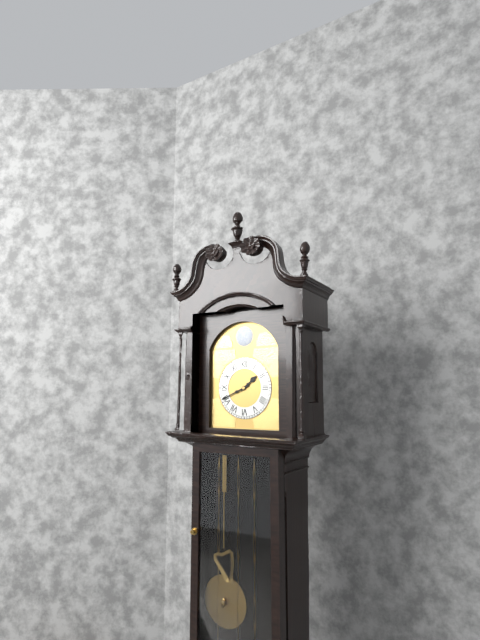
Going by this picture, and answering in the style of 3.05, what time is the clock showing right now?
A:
1.41
